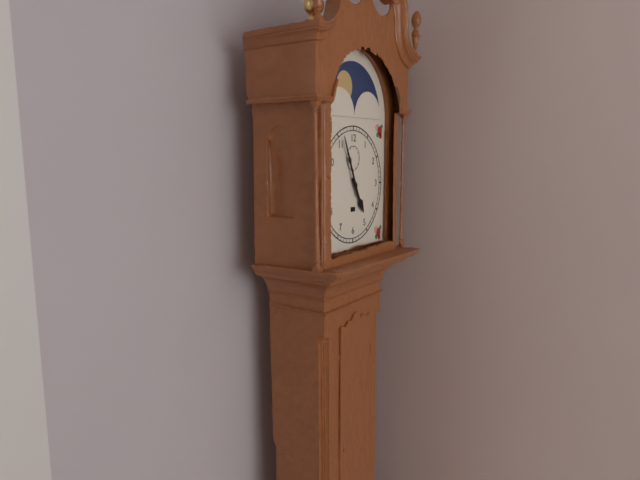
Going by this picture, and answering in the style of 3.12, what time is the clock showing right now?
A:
4.56
